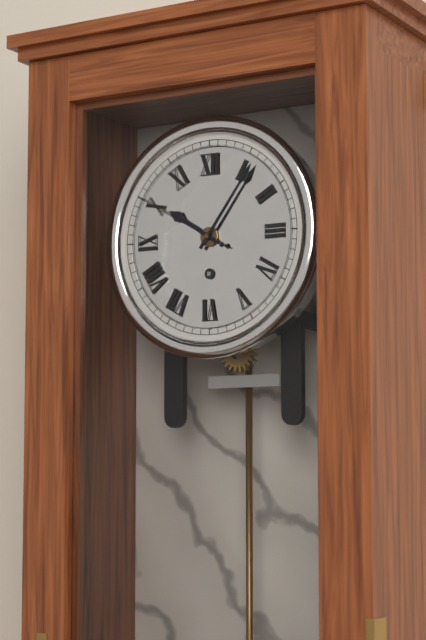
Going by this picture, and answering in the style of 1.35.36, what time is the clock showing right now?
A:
10.06.50
